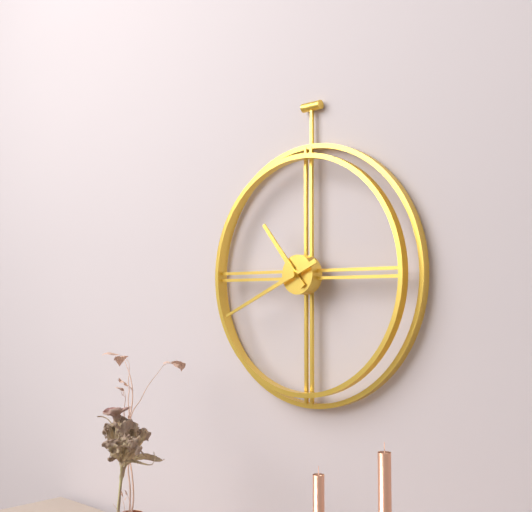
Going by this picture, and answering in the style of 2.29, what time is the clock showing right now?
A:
10.41
